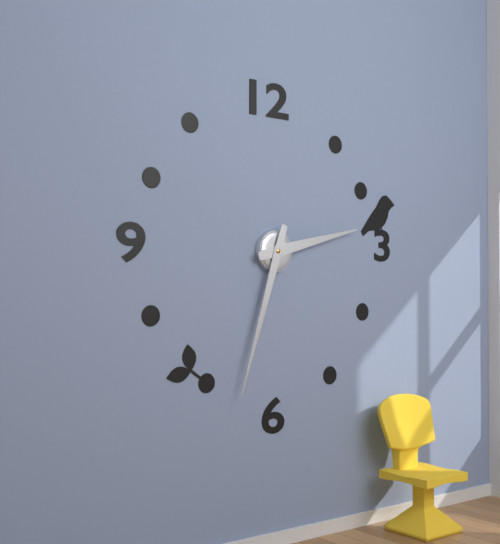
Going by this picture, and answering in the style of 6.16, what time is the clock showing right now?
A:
2.33
